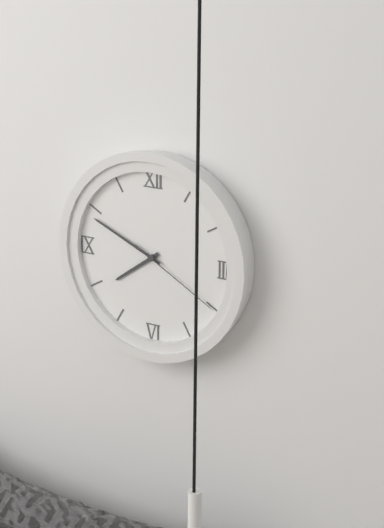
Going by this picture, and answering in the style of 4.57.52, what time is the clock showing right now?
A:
7.49.20
